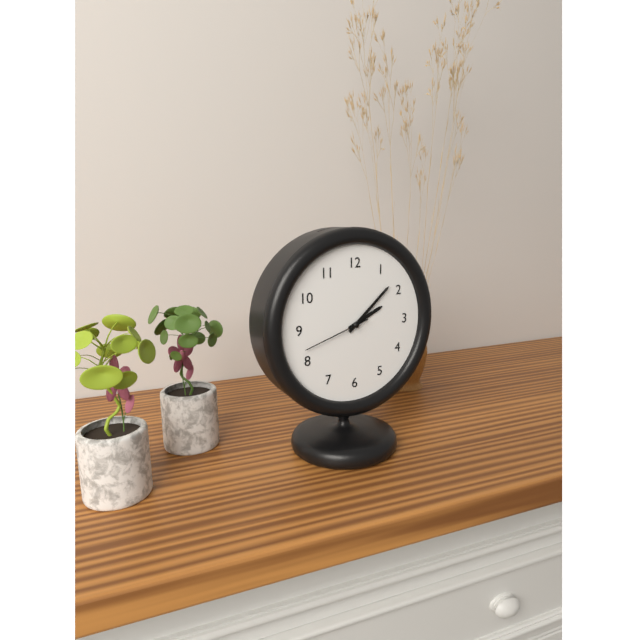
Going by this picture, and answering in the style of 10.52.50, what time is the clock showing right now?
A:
2.08.42
